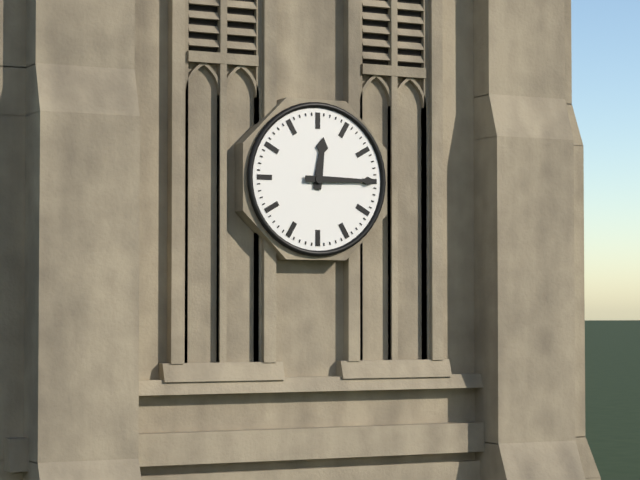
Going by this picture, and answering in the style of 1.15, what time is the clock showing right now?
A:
12.15
